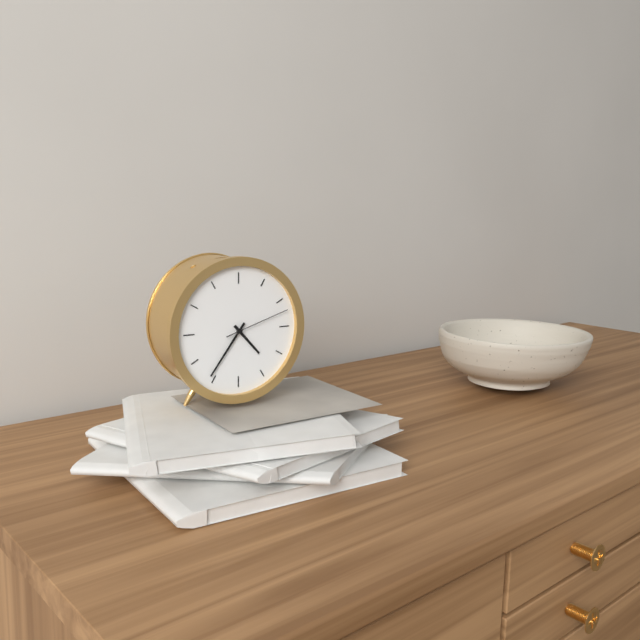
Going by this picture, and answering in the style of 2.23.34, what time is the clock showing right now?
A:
4.36.12
